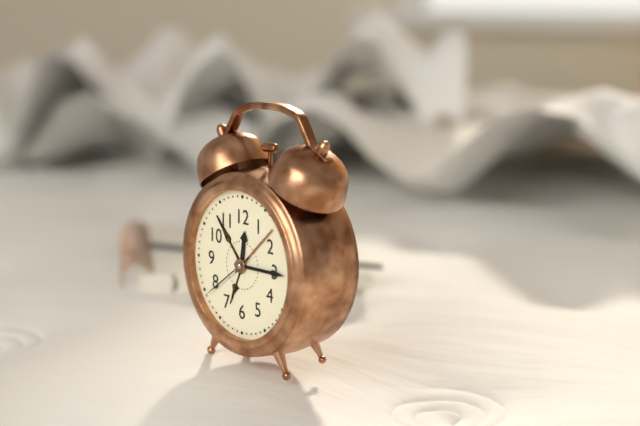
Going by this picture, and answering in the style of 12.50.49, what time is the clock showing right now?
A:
12.15.39
